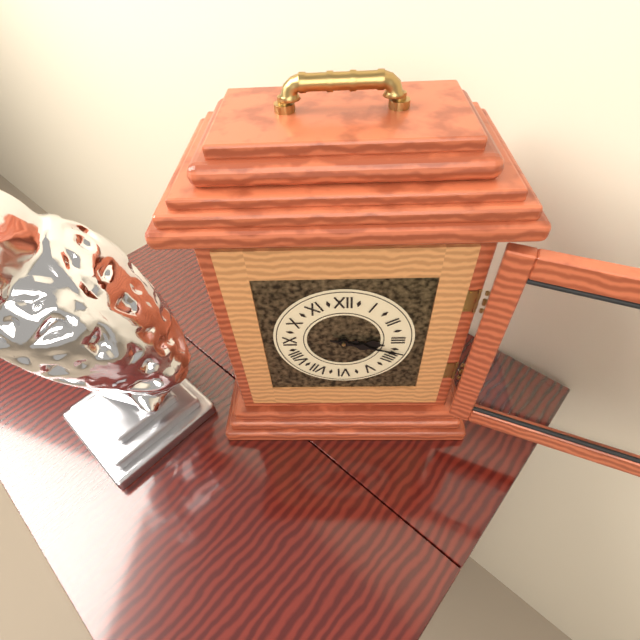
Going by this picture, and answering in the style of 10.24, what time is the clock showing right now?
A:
3.18
